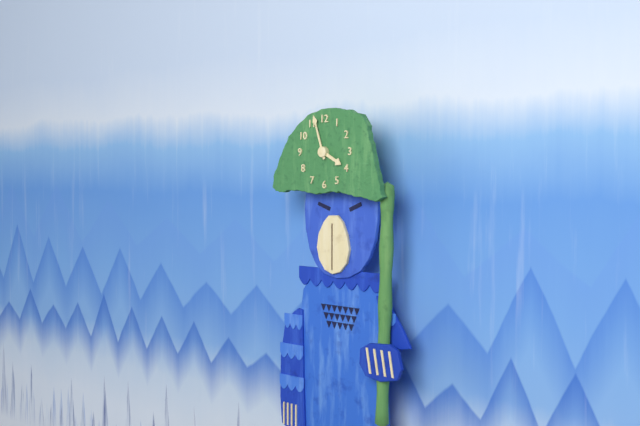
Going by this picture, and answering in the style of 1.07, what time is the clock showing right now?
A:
3.57
